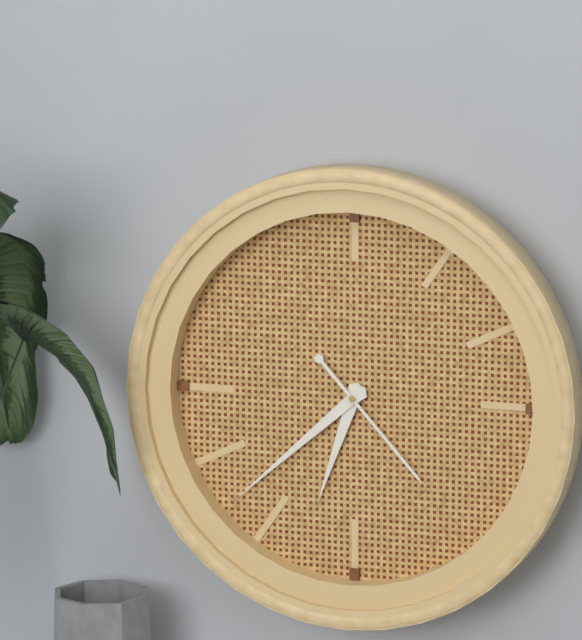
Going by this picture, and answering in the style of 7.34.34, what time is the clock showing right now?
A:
6.38.23
